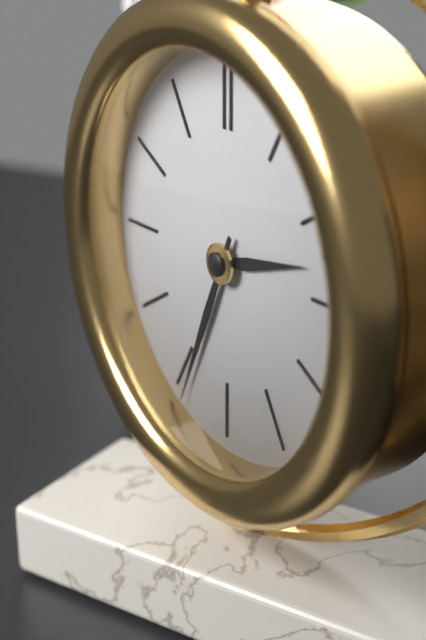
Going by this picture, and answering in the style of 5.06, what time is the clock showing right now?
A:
2.34
